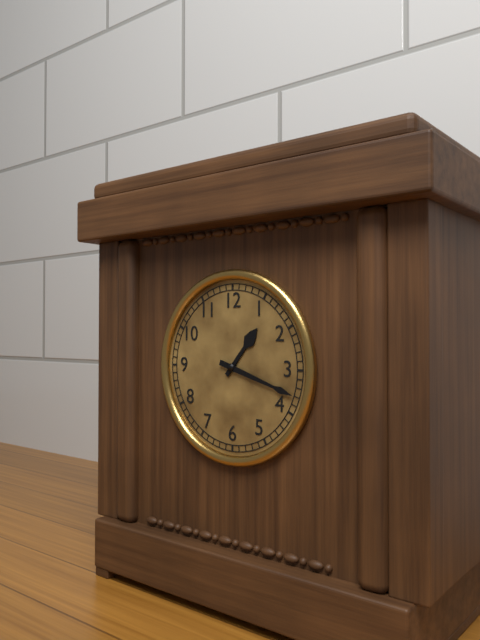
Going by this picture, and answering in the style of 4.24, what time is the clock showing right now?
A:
1.18
